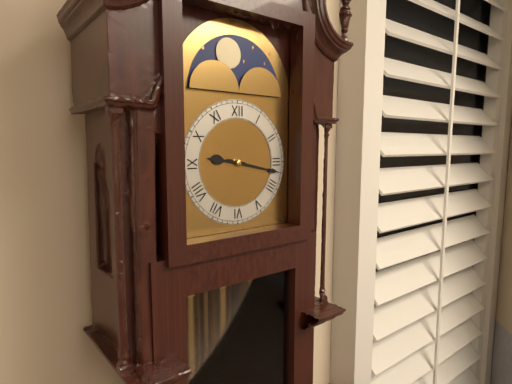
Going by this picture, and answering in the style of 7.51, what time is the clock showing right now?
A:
9.17
